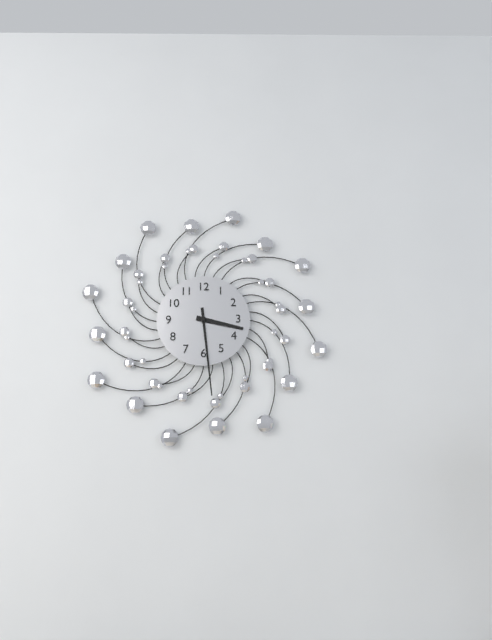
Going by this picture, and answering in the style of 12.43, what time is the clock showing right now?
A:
3.29
